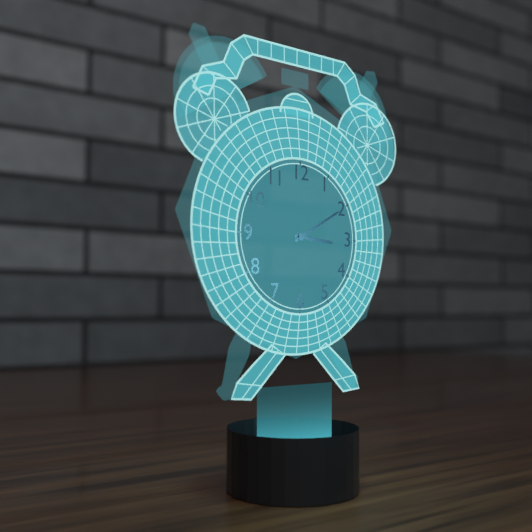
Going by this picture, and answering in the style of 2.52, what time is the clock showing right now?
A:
3.10
